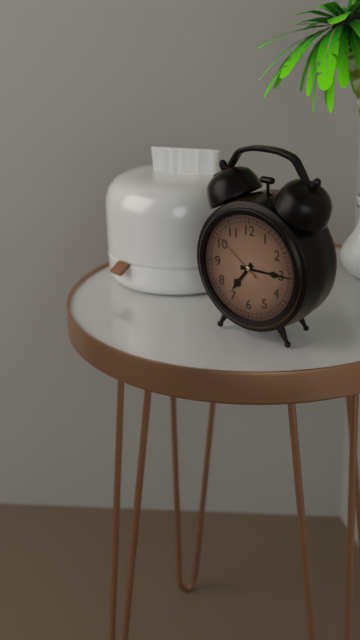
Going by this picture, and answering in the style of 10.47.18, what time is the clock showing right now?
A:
7.15.51
